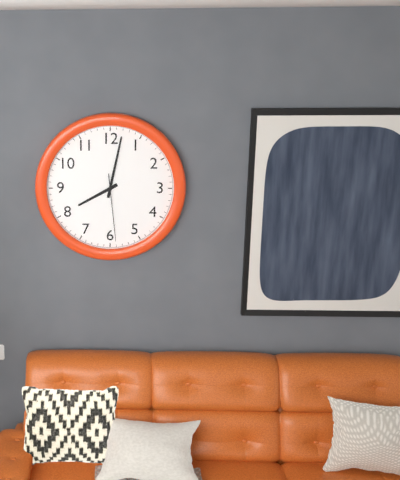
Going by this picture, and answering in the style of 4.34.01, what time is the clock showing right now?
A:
8.02.29
